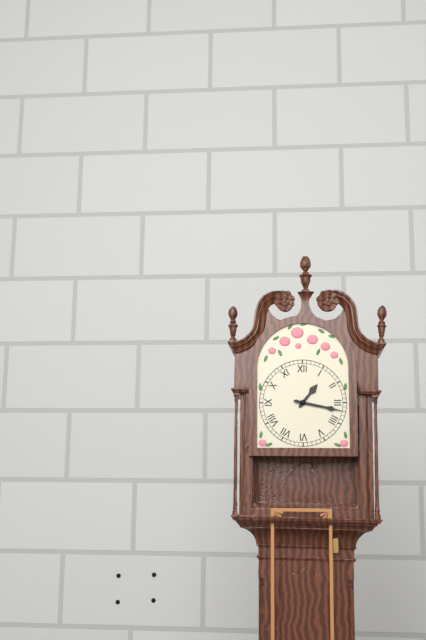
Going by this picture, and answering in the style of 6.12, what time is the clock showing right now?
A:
1.17
